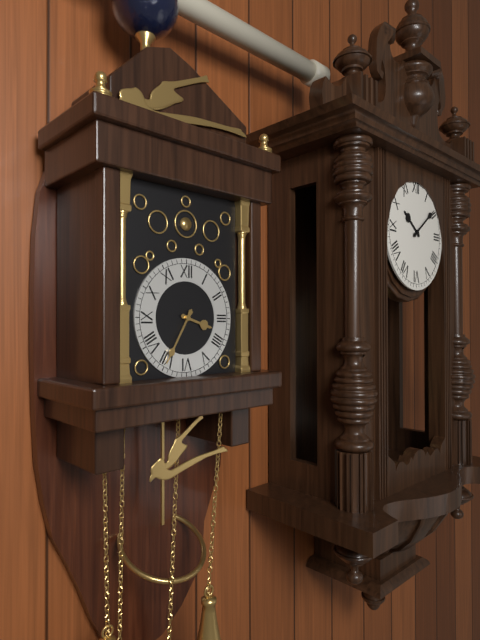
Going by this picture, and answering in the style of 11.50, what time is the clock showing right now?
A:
3.35
